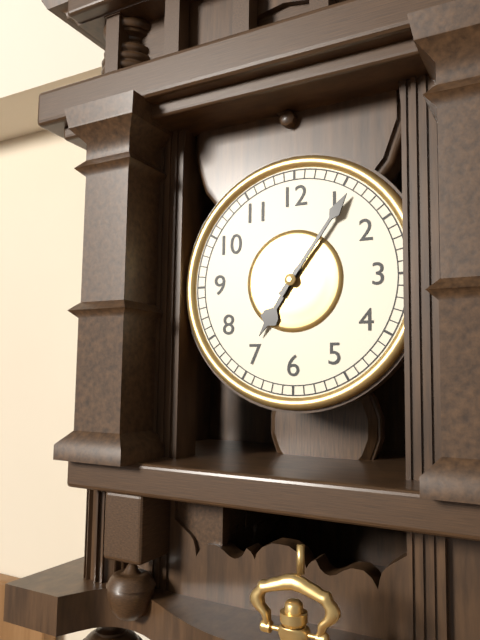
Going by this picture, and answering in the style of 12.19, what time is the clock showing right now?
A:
7.06
